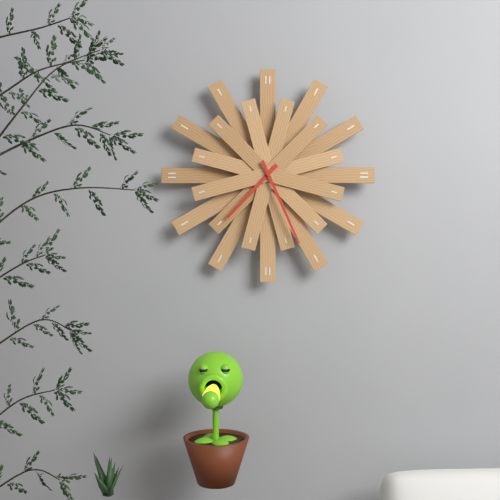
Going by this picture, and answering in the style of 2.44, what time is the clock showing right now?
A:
7.26
